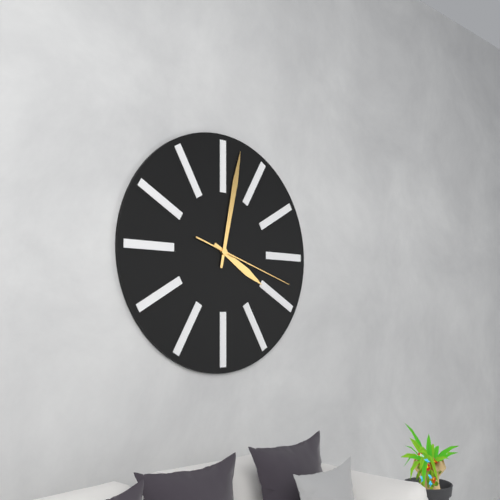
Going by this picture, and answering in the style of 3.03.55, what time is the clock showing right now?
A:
4.02.18
